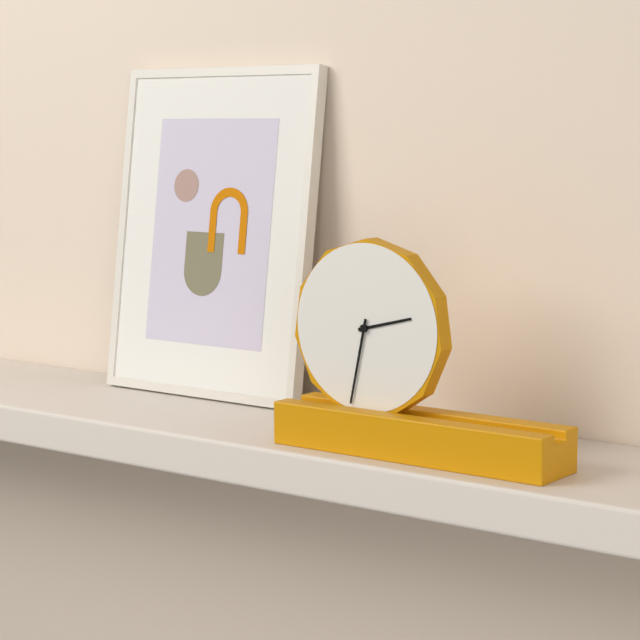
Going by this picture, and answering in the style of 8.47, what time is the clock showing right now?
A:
2.32
